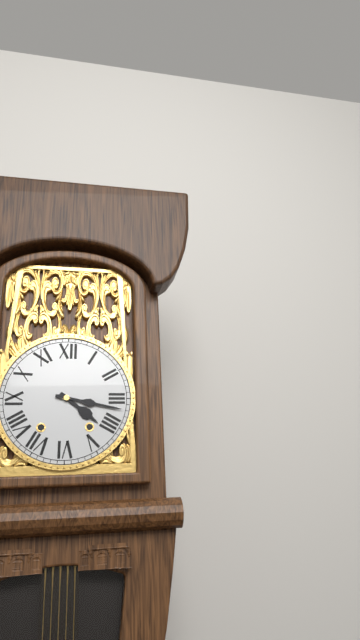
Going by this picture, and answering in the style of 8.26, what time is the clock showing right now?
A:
4.17
